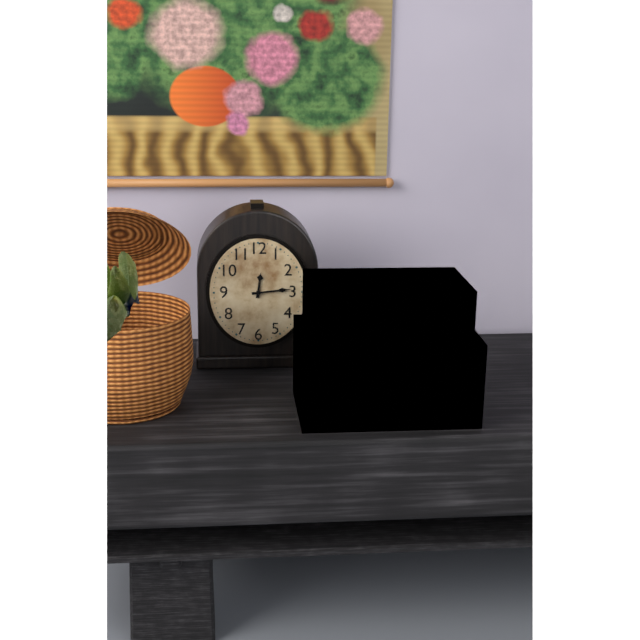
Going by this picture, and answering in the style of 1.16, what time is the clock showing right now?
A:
12.14
